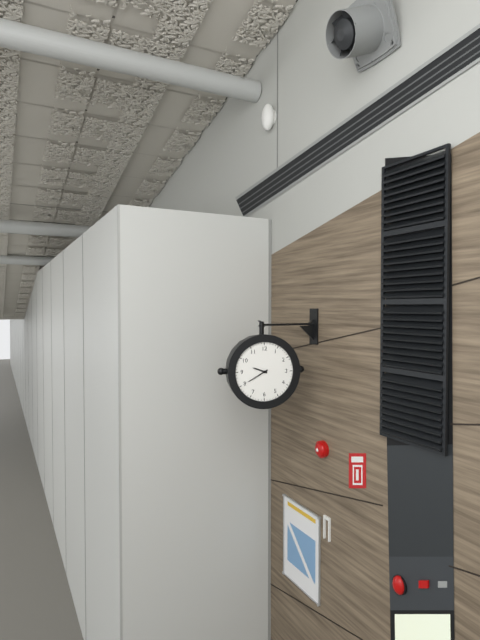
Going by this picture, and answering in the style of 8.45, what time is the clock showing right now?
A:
9.40
